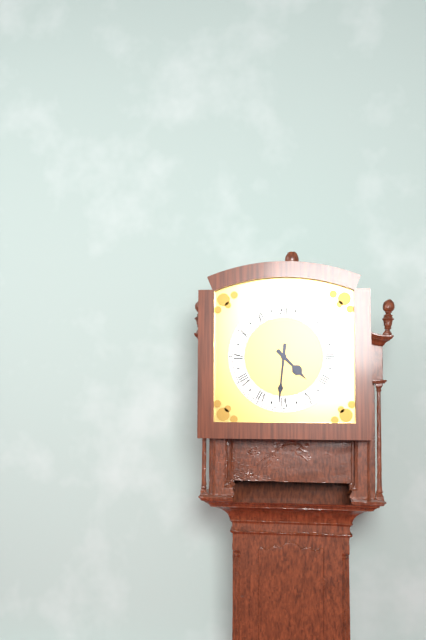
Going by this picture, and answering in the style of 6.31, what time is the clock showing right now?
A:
4.31
